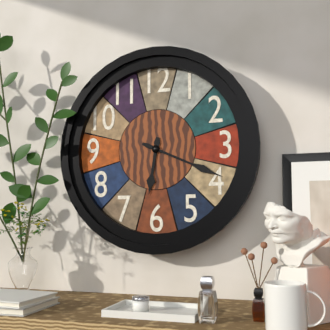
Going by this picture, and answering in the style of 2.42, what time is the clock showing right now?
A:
6.19
